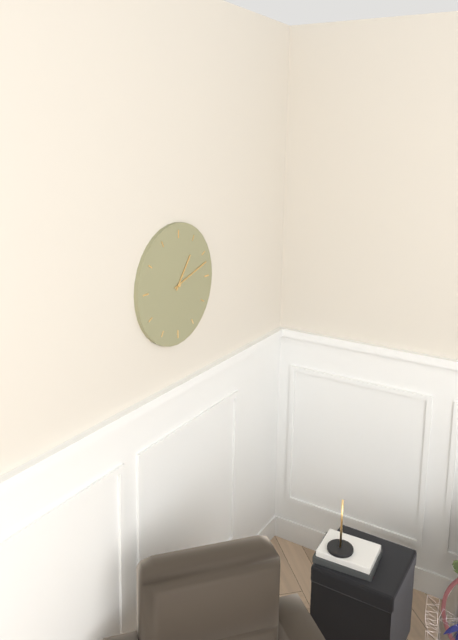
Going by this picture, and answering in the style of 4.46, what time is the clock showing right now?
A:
1.12
